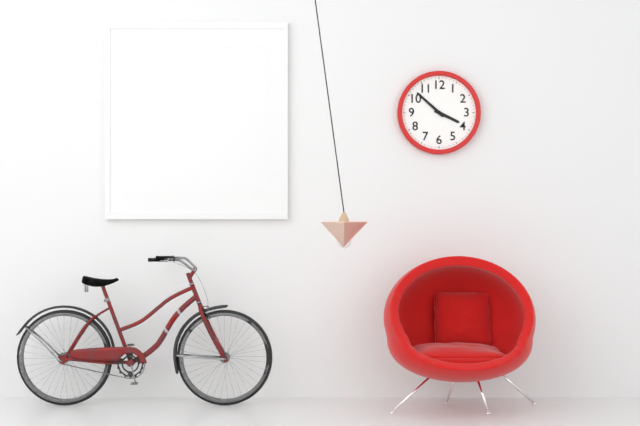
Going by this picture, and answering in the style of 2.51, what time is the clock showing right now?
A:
3.52
